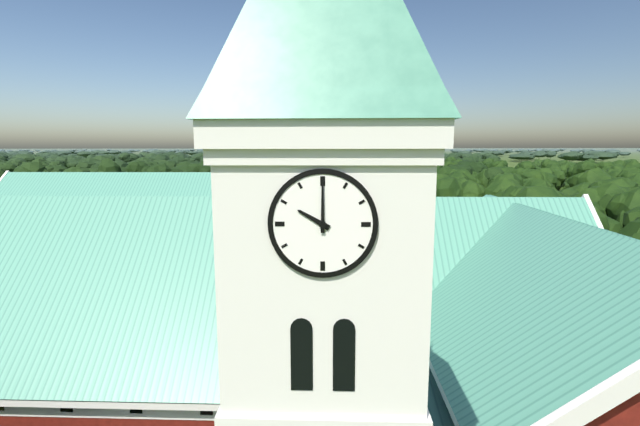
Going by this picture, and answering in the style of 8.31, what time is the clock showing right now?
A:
10.00
